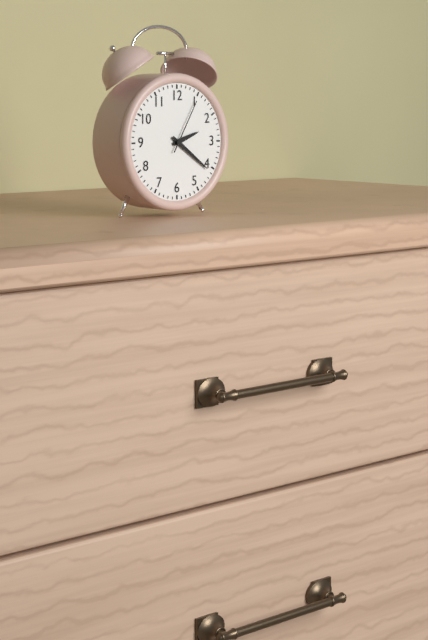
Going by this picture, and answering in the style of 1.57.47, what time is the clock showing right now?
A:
2.21.05
